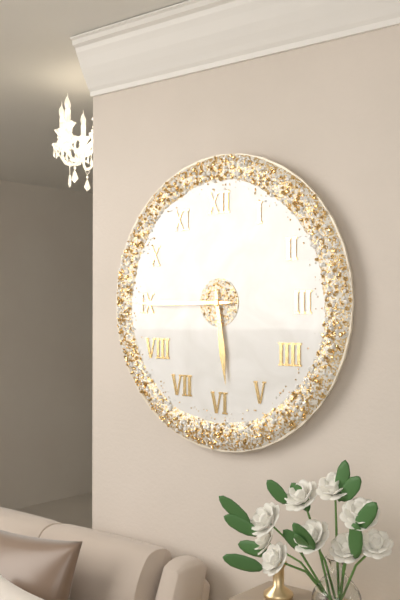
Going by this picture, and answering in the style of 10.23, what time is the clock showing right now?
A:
5.45
